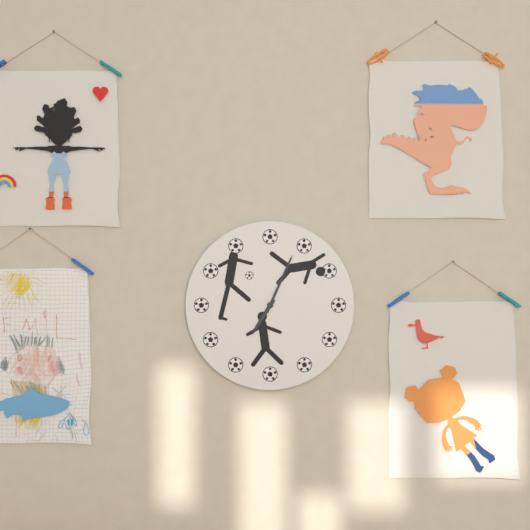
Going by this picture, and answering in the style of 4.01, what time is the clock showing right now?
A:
7.04
